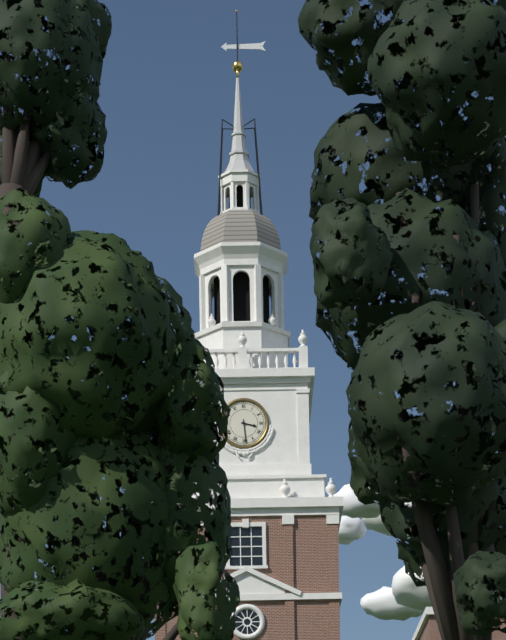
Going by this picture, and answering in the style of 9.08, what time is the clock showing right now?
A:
3.29
